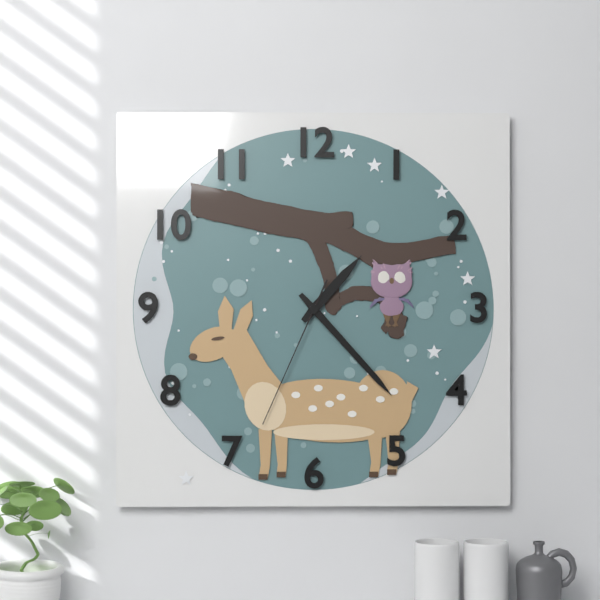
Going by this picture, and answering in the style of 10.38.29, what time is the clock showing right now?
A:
1.23.34
